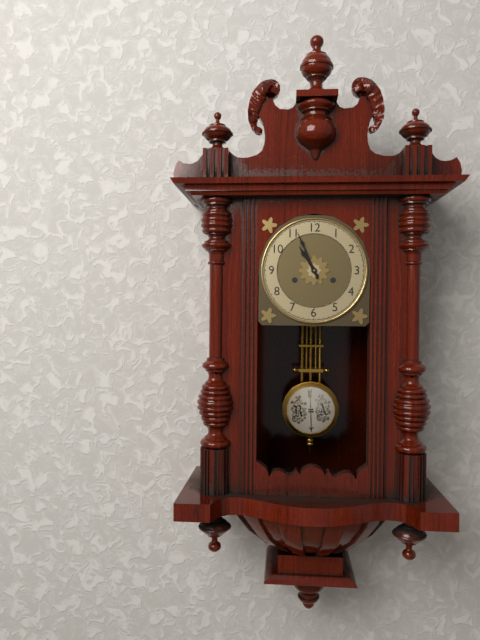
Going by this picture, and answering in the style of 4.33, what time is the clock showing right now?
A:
10.56
